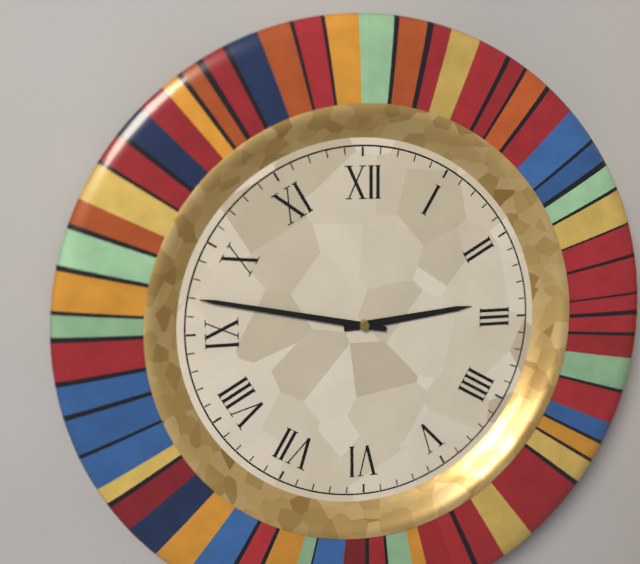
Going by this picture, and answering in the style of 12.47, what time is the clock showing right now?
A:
2.47
